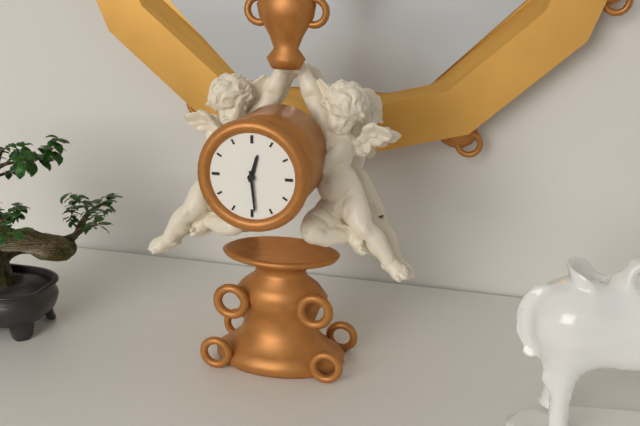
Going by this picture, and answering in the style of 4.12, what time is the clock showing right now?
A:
12.29
